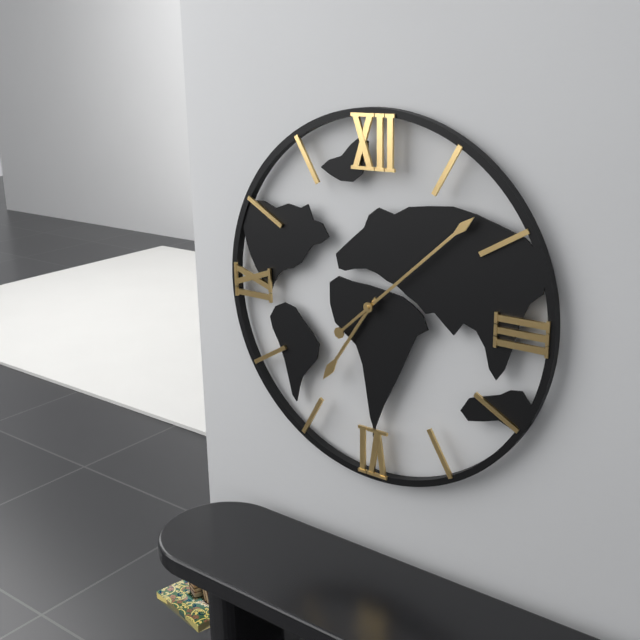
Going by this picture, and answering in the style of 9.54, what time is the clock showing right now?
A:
7.08
